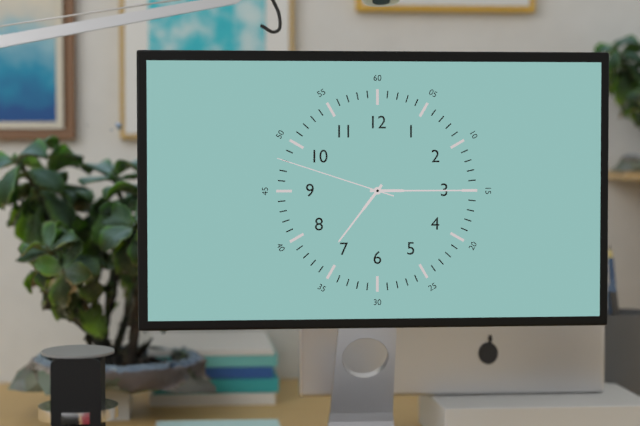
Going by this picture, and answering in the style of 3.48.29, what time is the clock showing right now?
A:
7.15.48
